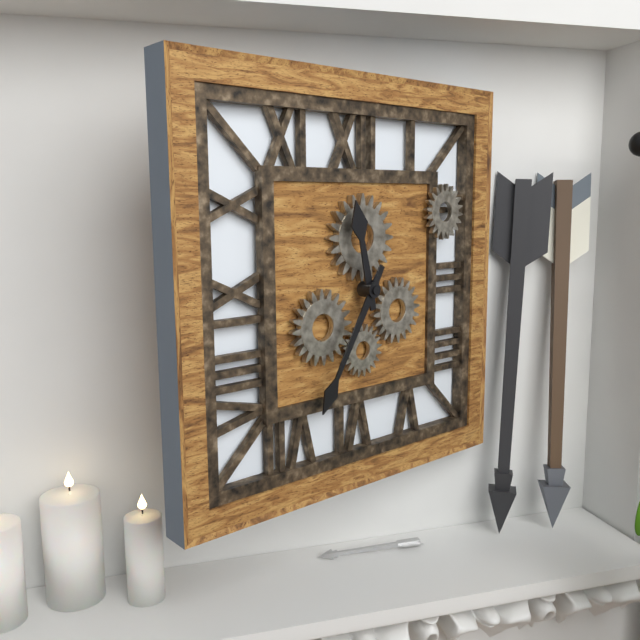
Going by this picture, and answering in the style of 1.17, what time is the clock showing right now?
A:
11.35
